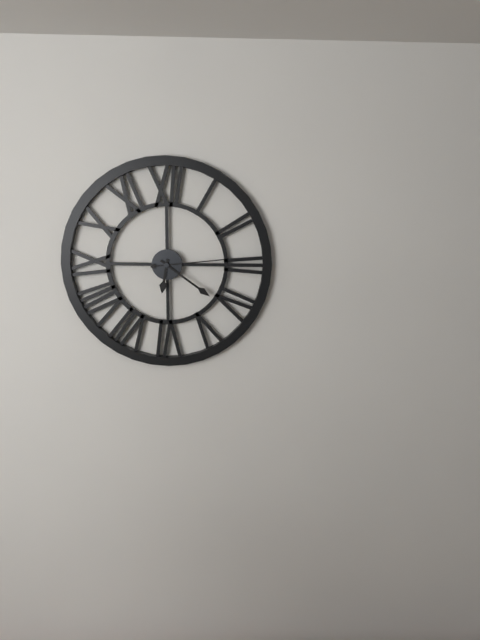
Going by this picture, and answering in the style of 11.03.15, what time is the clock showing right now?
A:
6.21.14
